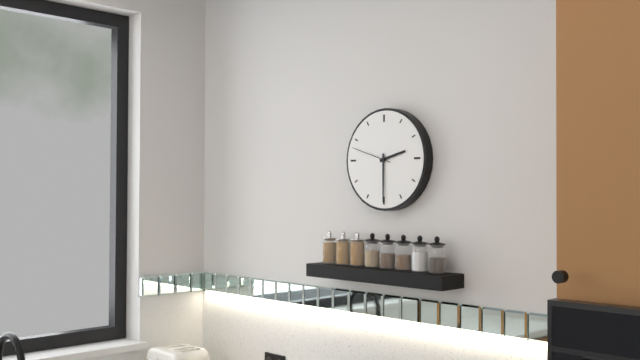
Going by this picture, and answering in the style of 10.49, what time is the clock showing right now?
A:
2.30
